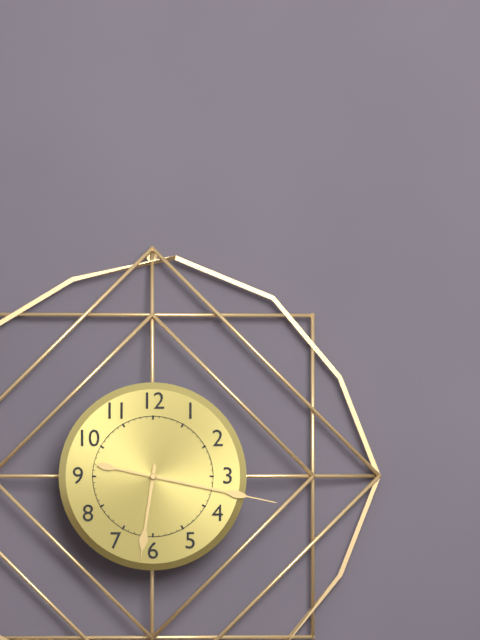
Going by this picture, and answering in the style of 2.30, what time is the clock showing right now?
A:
6.17
